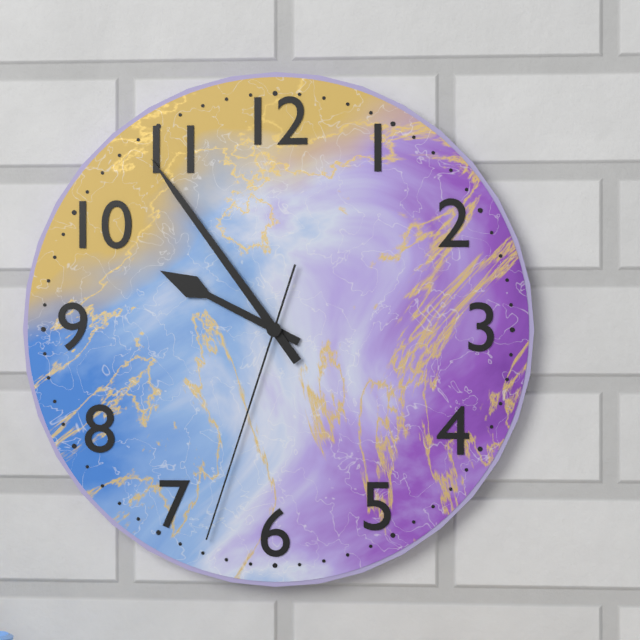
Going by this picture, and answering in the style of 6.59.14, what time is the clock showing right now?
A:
9.54.33
